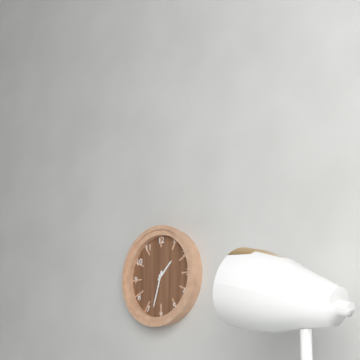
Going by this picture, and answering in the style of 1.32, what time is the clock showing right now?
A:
1.33
